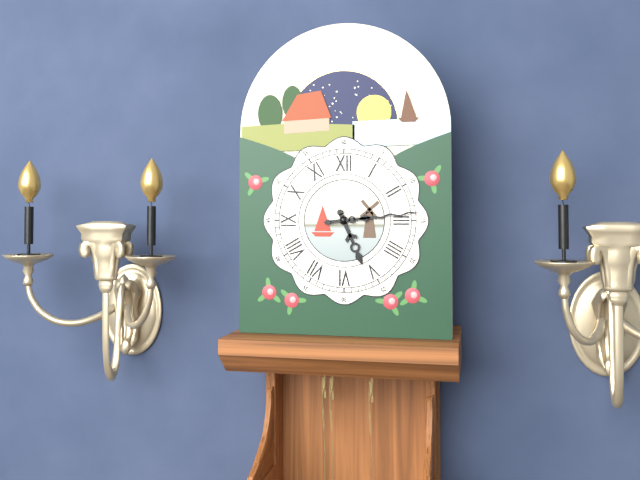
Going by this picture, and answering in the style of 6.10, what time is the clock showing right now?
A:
5.14
